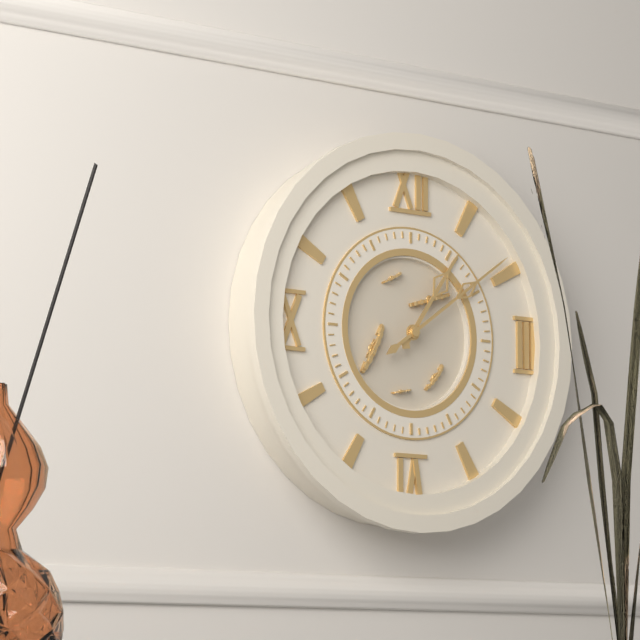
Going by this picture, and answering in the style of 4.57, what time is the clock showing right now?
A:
1.09
